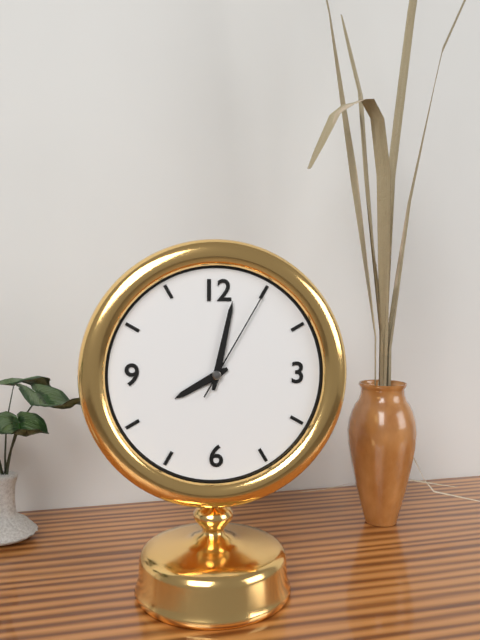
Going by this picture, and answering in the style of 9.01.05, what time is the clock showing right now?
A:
8.02.05
